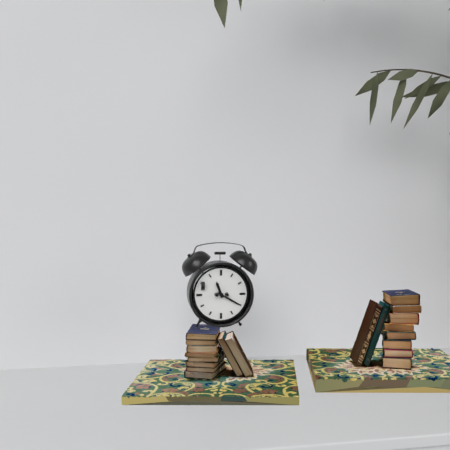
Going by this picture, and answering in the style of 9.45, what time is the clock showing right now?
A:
11.20
